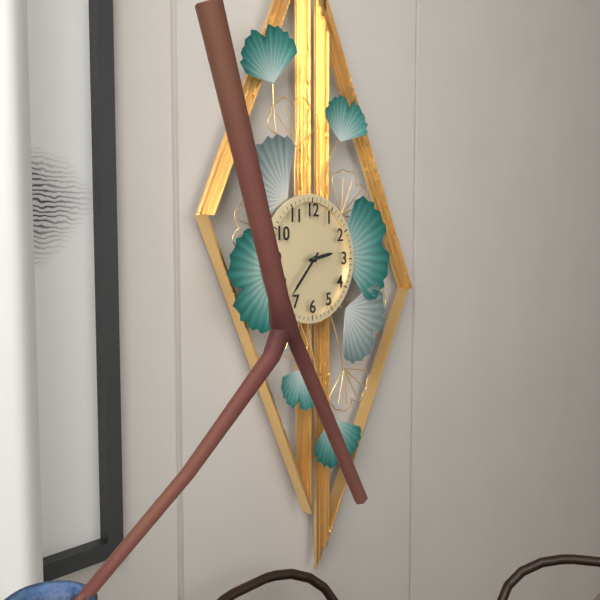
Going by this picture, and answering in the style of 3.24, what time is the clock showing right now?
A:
2.37
